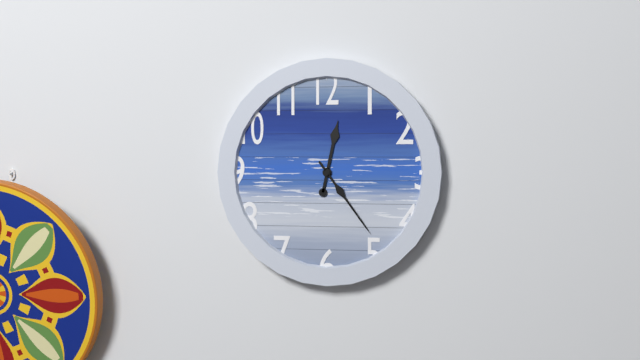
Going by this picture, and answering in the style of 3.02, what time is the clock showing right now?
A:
12.24
